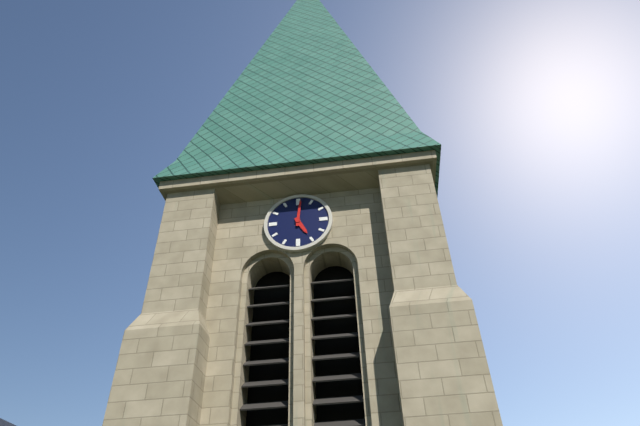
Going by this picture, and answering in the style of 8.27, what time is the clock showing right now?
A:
5.01
